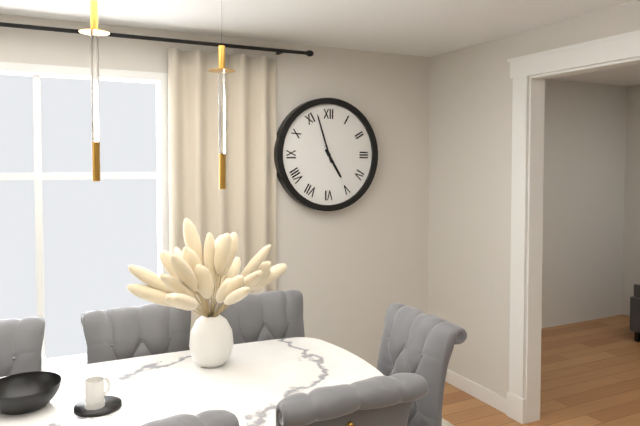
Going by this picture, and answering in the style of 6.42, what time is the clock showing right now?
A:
4.57
